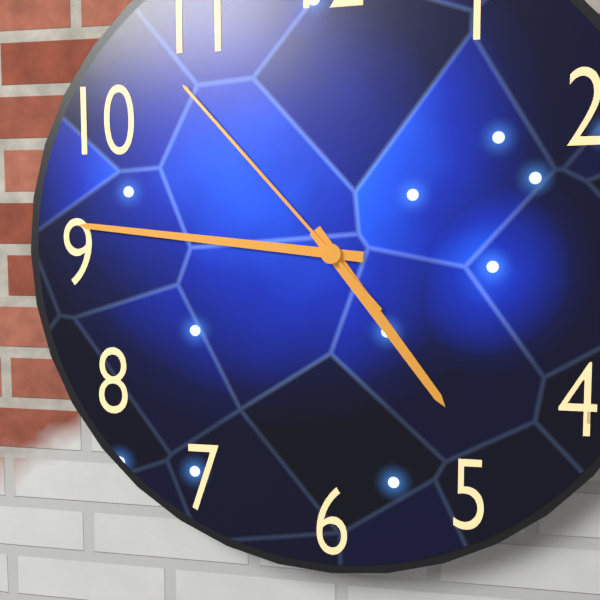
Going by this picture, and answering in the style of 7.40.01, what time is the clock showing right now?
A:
4.46.53
